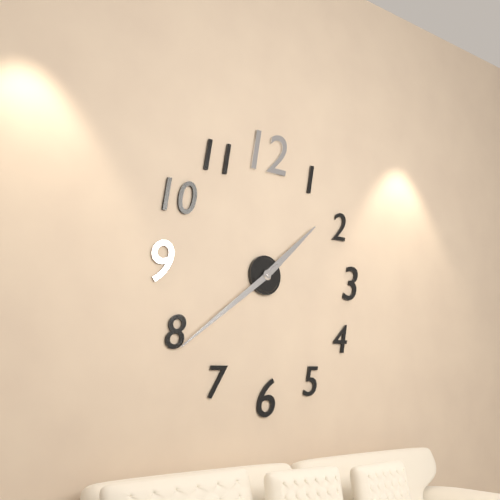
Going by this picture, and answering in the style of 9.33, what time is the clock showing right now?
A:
1.39
